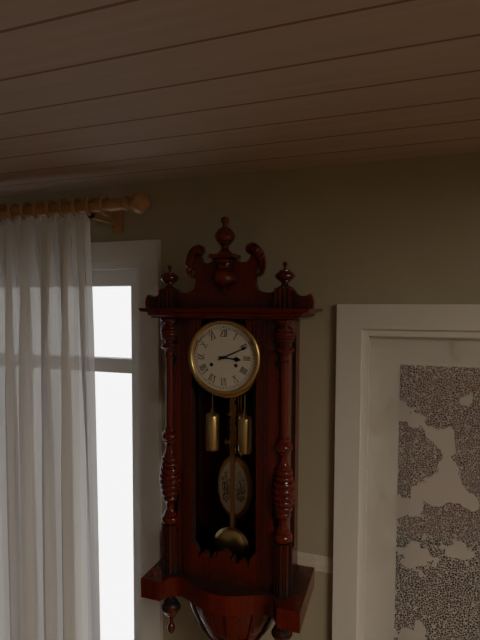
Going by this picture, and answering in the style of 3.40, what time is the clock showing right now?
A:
3.11
